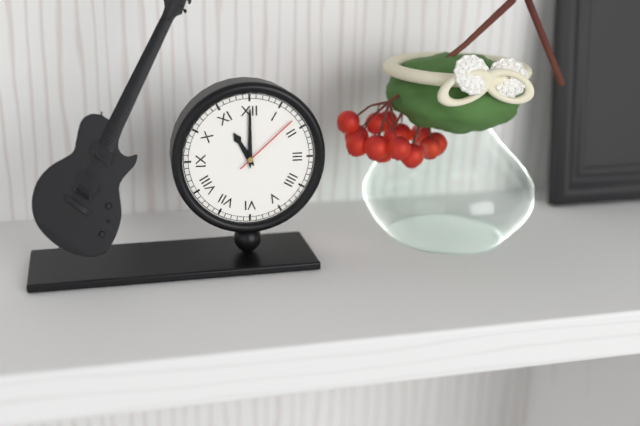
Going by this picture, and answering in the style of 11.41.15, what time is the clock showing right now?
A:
11.00.08
